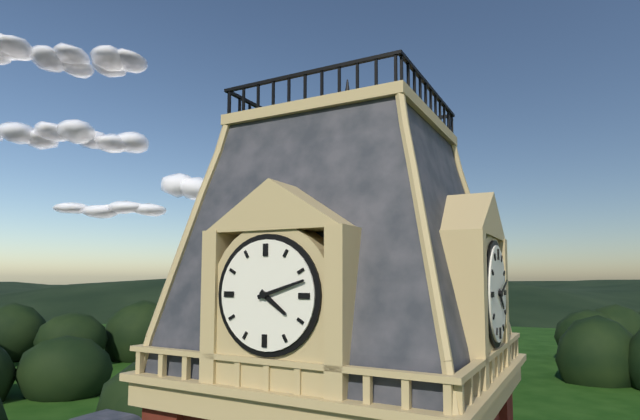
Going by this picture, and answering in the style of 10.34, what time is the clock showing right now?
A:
4.12
